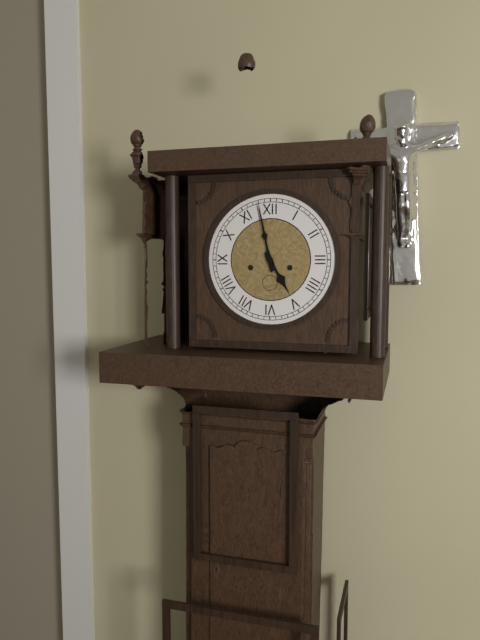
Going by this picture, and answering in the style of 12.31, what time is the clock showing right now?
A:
4.58
